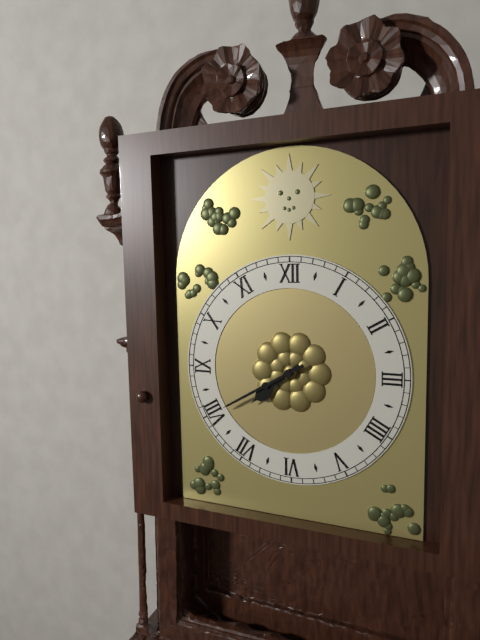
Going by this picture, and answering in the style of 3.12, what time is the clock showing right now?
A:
7.40
